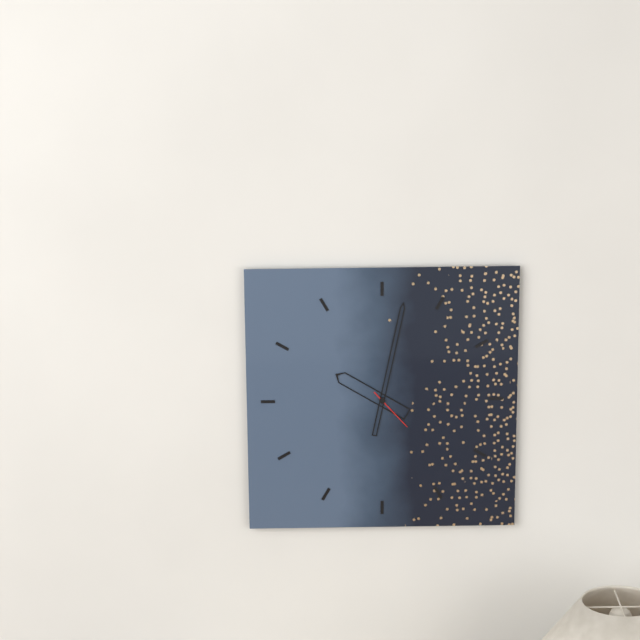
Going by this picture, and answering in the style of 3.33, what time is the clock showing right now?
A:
10.02
